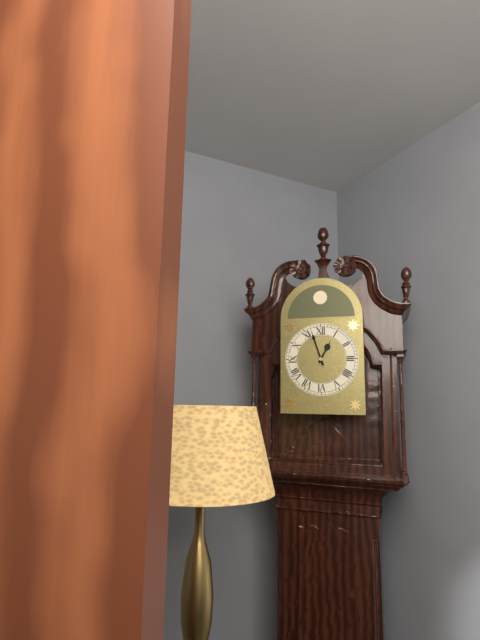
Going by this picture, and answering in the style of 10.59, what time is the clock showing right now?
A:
12.57
